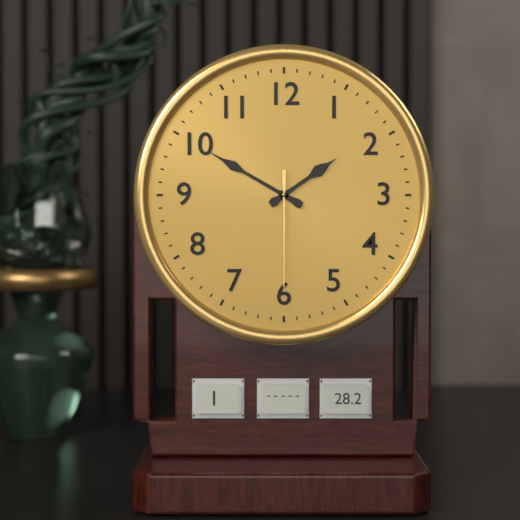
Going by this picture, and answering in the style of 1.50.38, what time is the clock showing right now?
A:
1.50.30
